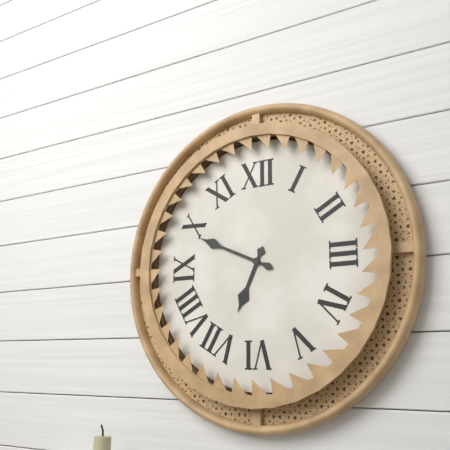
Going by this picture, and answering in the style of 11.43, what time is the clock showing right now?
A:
6.49
